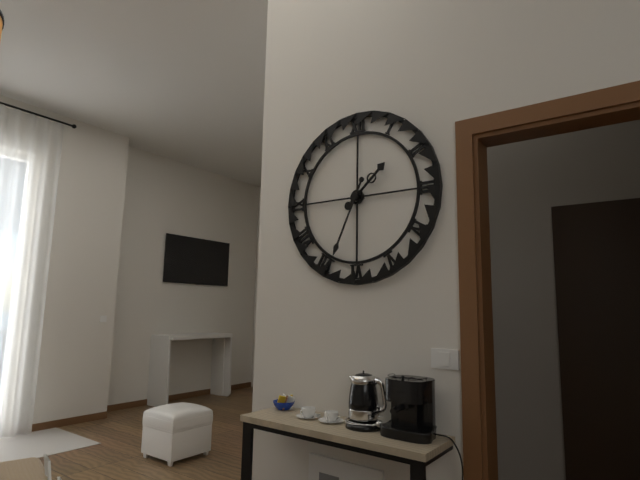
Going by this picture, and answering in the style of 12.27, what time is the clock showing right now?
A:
1.34
